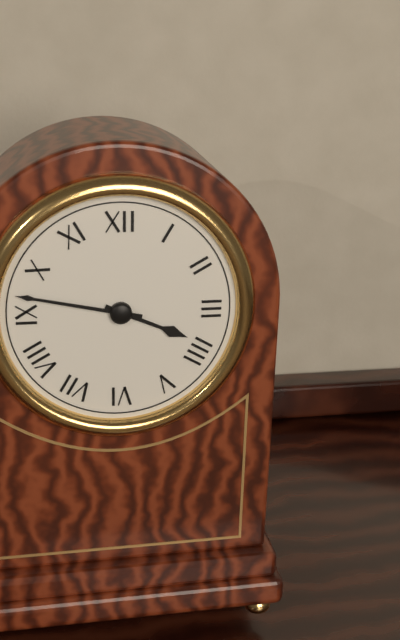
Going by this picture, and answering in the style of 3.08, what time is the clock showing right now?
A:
3.47
